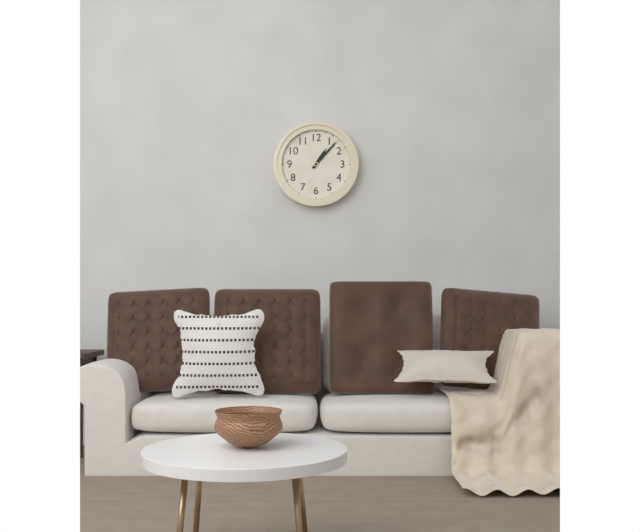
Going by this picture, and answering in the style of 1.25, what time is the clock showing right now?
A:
1.07
